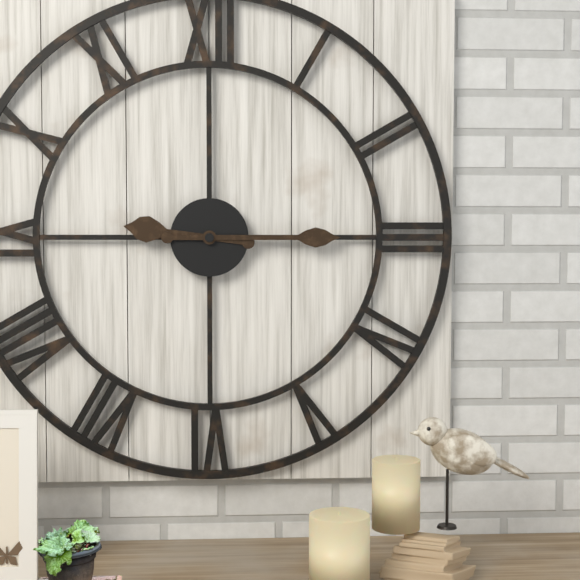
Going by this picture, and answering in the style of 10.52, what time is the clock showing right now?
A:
9.15
